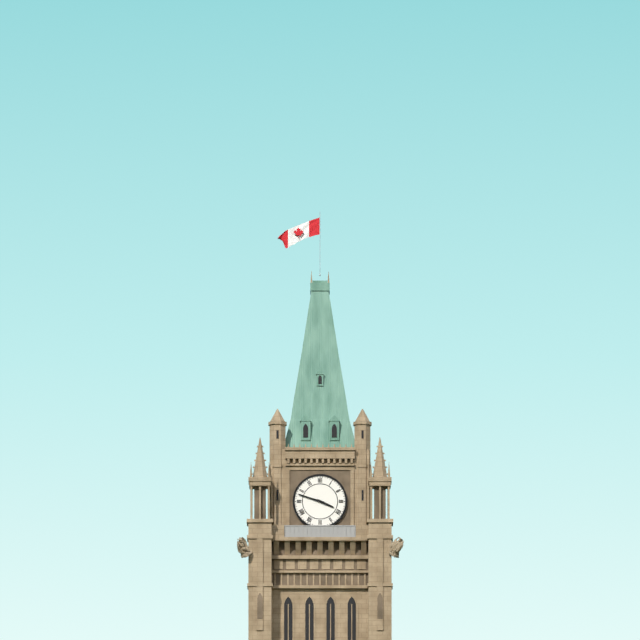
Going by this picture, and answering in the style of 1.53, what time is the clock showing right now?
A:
3.48
